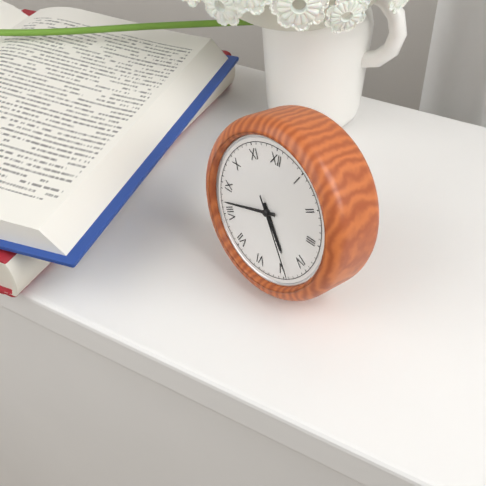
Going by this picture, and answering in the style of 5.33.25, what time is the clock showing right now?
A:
4.42.24
